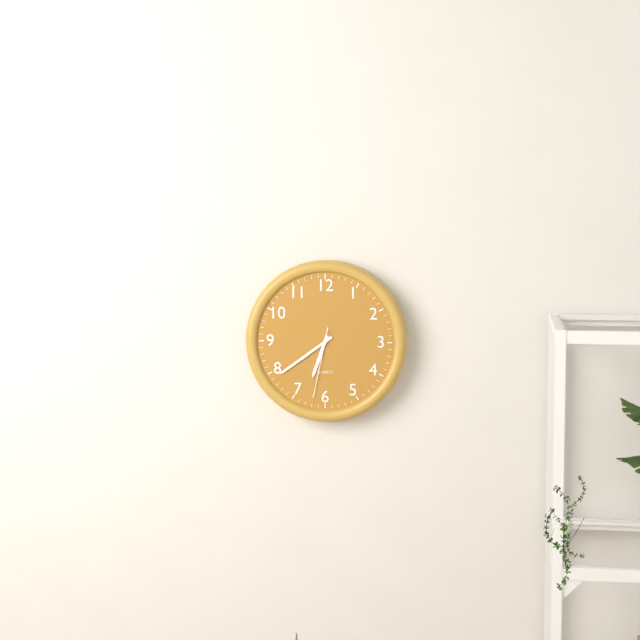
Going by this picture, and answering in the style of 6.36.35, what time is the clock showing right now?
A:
6.39.32
